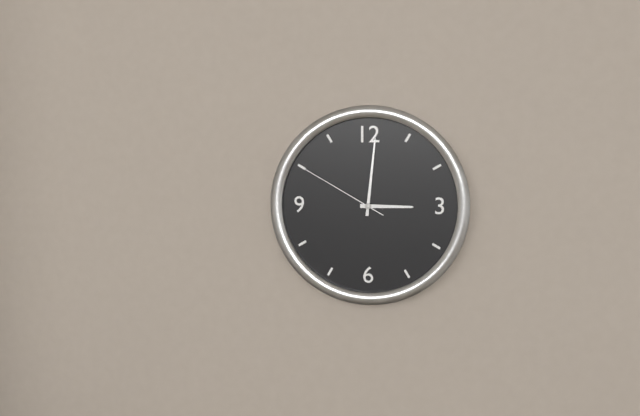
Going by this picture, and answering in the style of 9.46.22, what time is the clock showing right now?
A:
3.01.50
